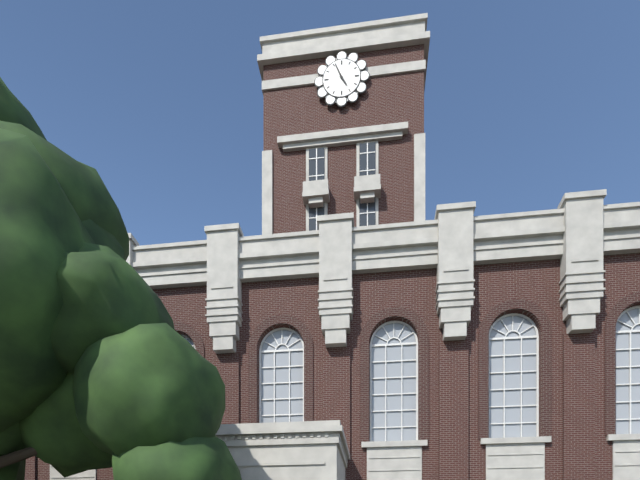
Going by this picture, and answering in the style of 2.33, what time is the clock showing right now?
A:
4.56
